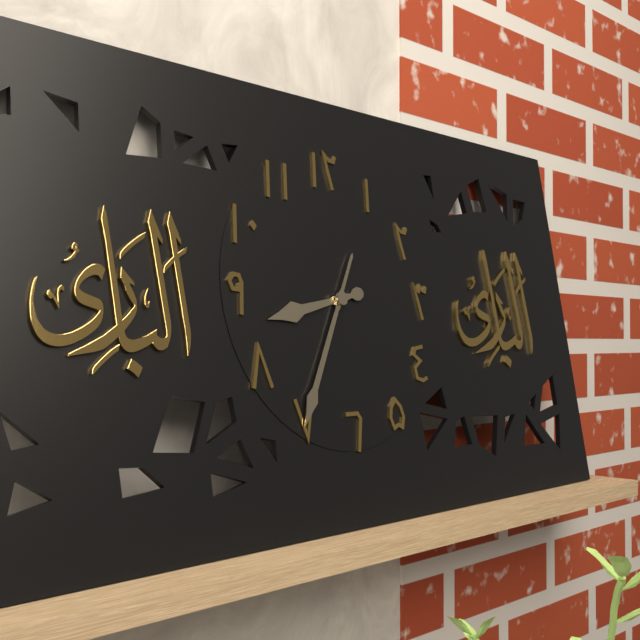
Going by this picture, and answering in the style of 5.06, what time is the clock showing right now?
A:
8.35
